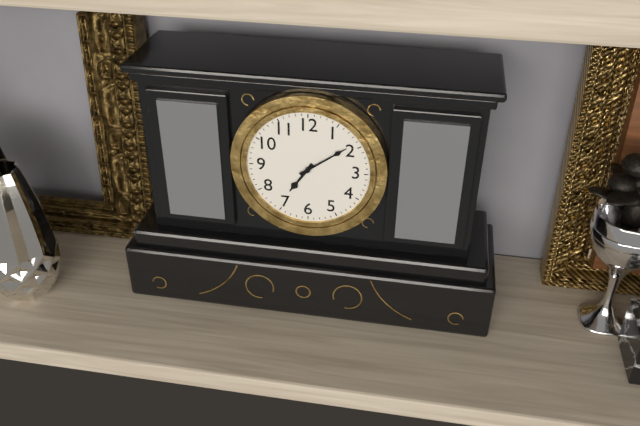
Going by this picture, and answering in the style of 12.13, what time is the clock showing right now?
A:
7.09
